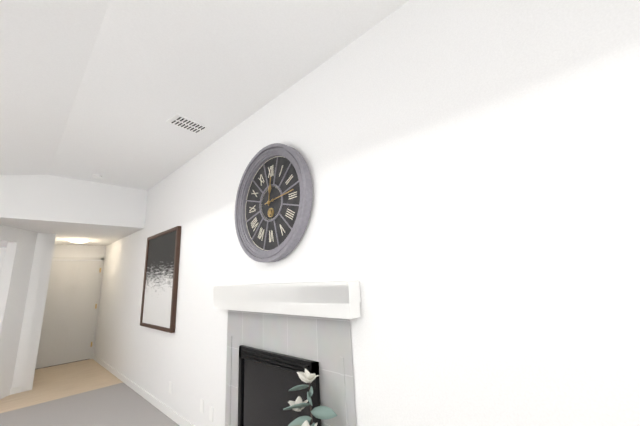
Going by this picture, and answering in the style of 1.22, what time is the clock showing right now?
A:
12.14
